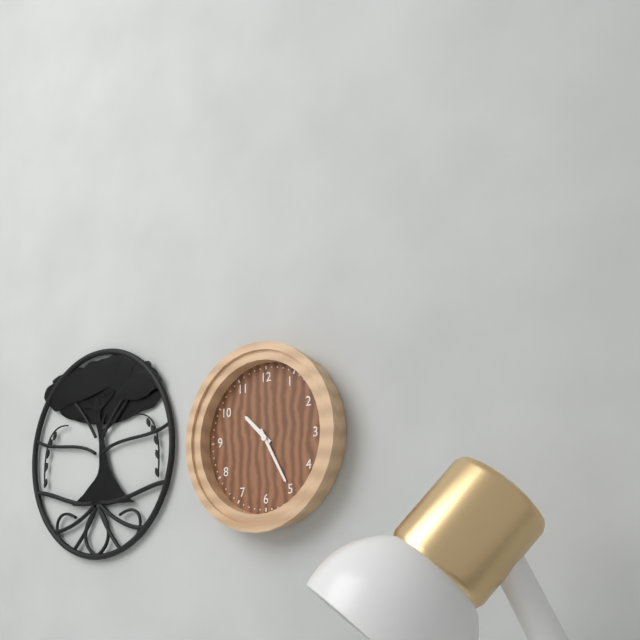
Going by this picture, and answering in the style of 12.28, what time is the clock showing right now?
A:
10.25
